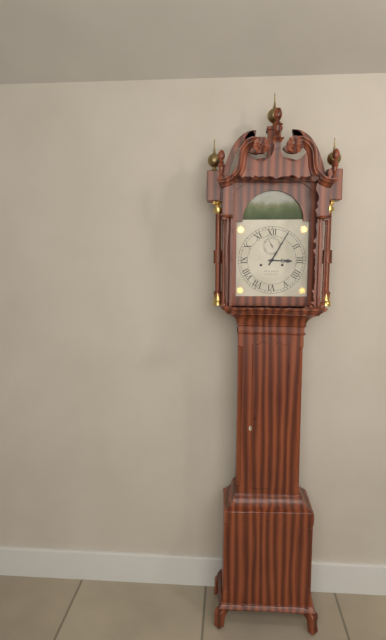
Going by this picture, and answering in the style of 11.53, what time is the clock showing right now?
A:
3.05
